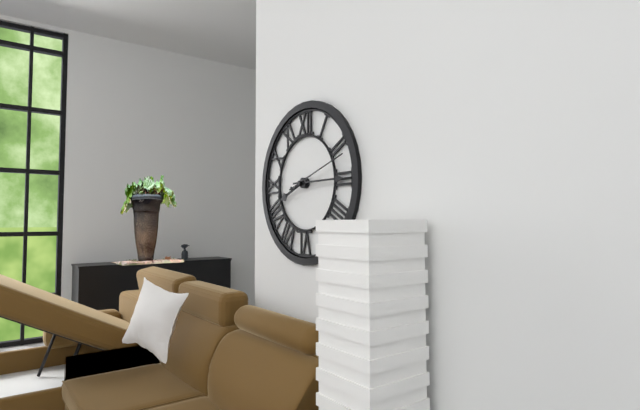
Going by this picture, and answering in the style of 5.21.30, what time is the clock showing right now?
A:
8.15.12
